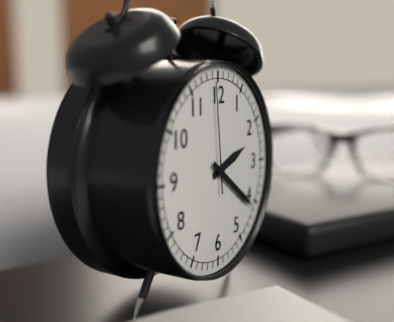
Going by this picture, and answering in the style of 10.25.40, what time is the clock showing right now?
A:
2.21.59
